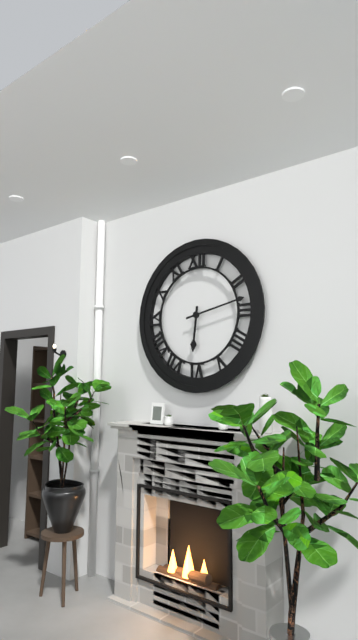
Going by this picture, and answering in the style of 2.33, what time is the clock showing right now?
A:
6.13
